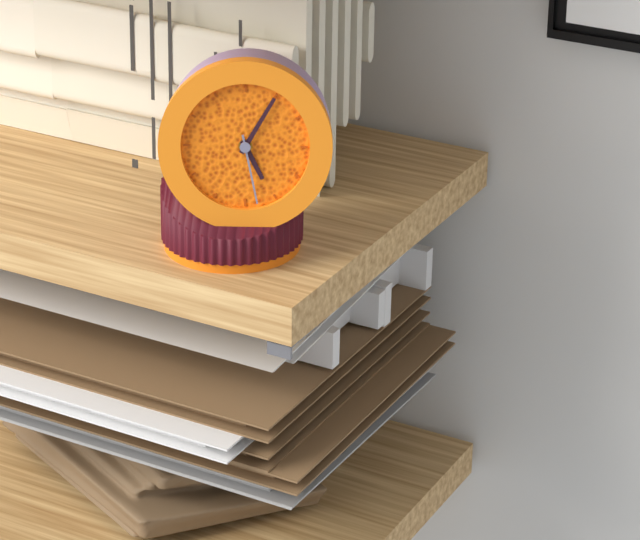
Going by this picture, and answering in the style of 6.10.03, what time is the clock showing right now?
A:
5.05.28
